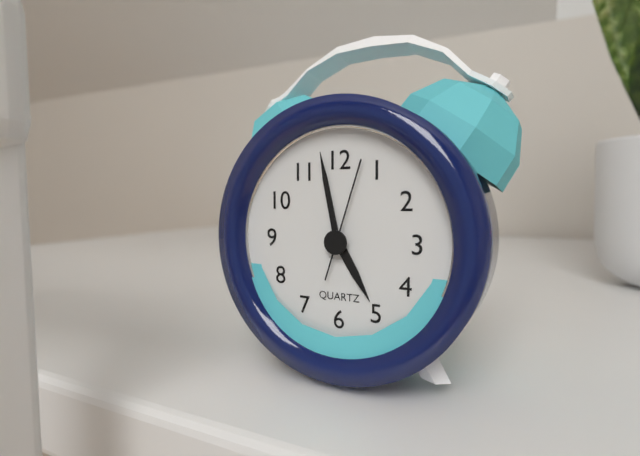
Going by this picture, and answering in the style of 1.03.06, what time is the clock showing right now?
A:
4.58.03
